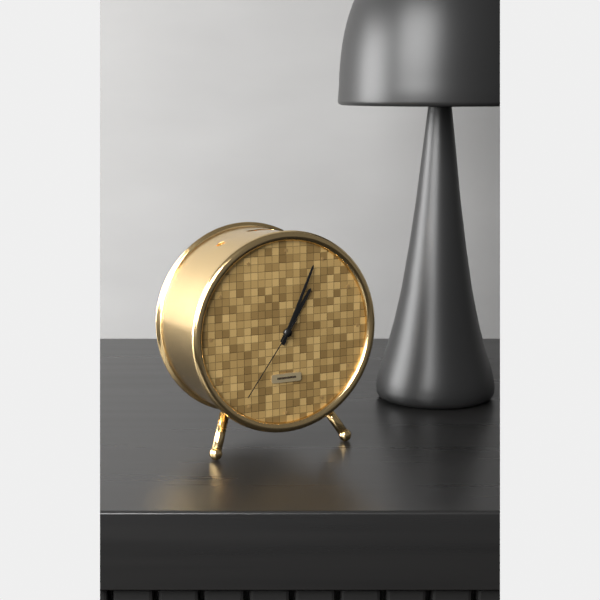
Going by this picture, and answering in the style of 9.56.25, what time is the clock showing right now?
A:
1.04.36
